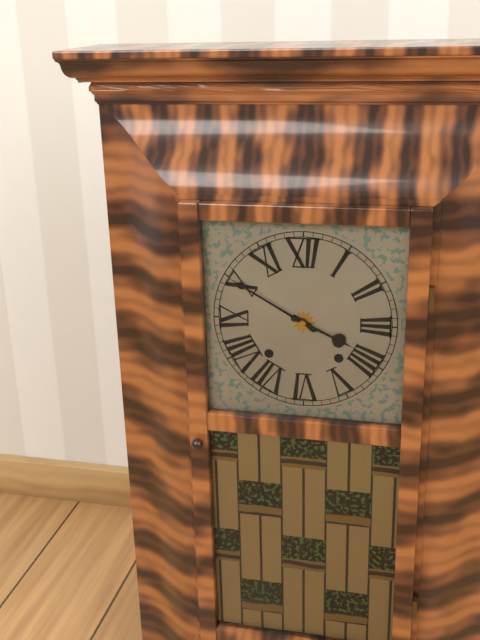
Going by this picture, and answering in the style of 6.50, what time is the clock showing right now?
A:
3.50
